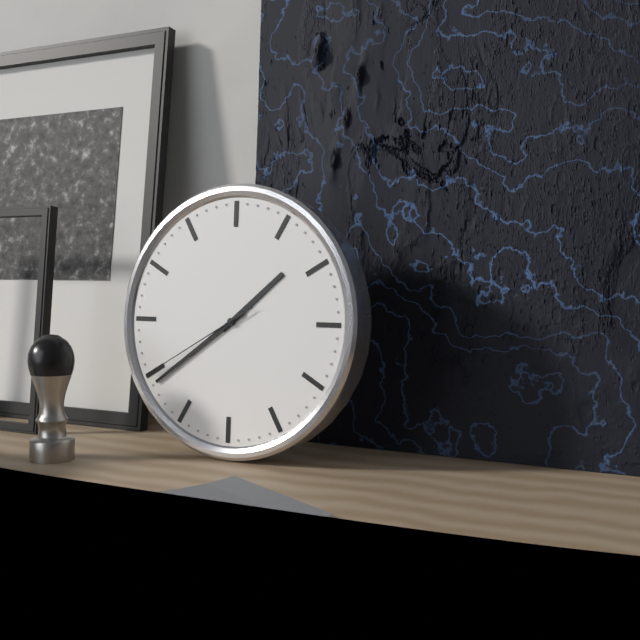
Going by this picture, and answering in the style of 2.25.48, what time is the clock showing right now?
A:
1.39.40
